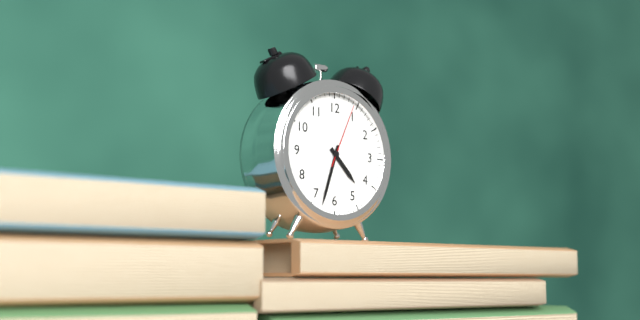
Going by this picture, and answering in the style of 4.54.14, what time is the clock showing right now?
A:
4.33.04
